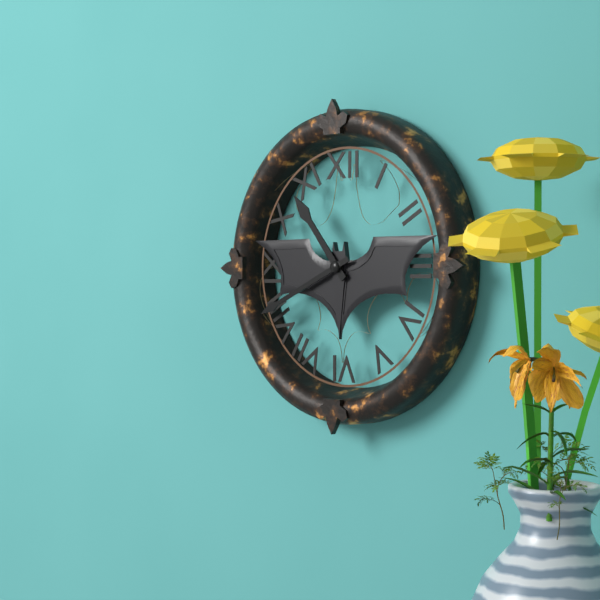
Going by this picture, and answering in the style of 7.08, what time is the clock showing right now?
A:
10.41
